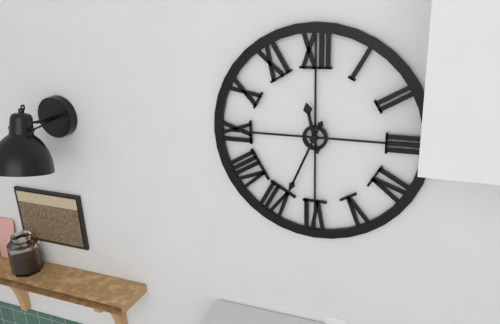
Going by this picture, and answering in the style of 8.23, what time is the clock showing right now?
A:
11.34
